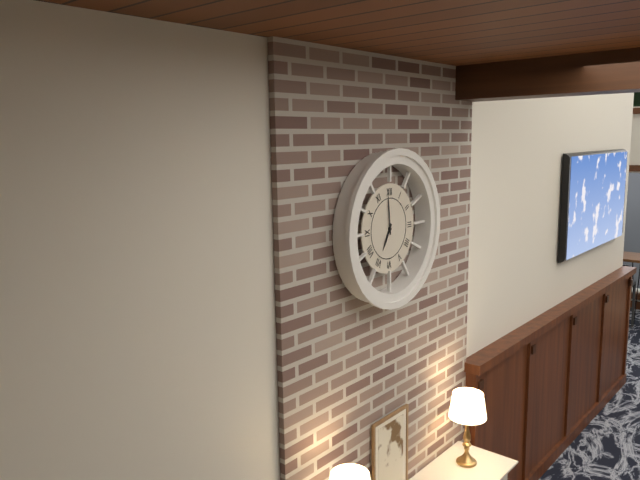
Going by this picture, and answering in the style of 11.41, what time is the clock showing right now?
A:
6.59
